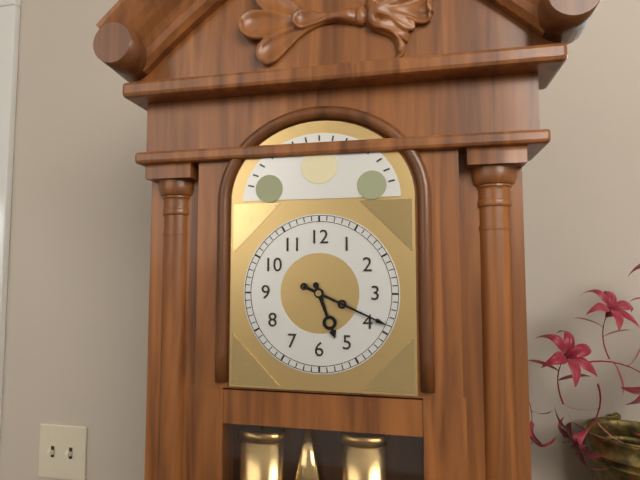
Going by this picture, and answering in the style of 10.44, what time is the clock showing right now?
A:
5.19
